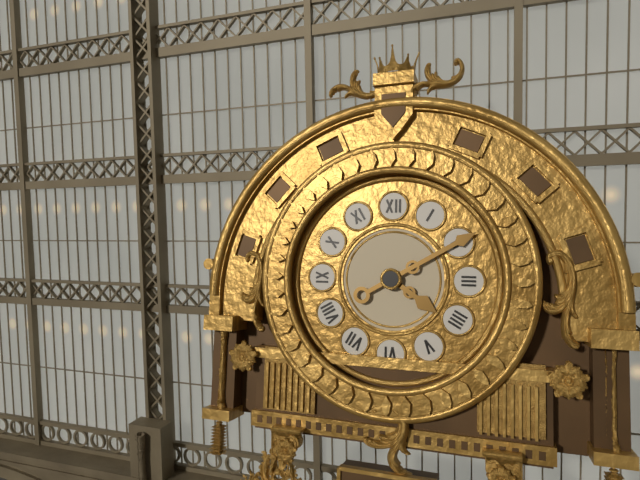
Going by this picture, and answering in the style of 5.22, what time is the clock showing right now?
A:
4.10
